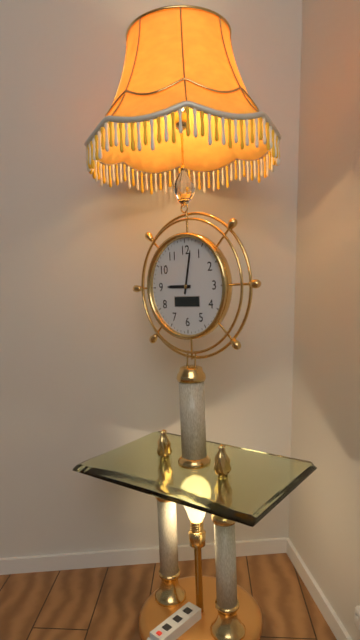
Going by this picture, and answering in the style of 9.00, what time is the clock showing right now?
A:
9.02
